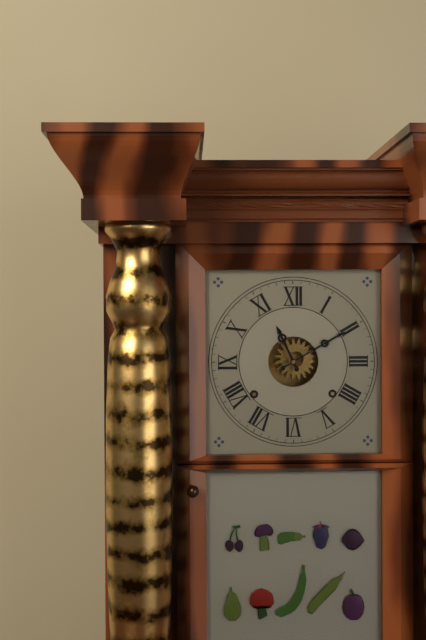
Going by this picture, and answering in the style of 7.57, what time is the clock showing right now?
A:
11.10
